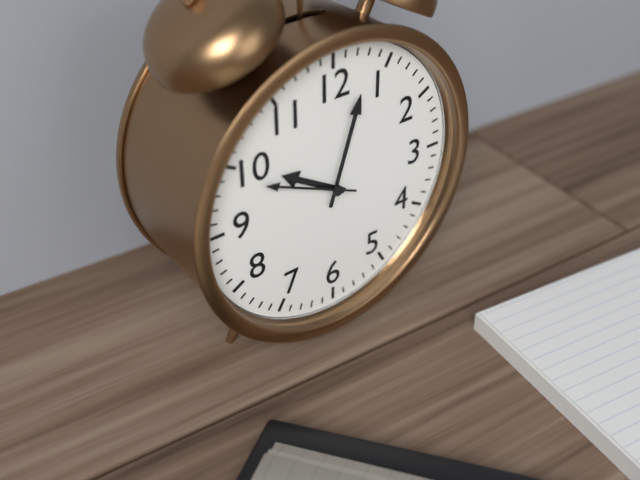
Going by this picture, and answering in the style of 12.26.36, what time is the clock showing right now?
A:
10.03.49
